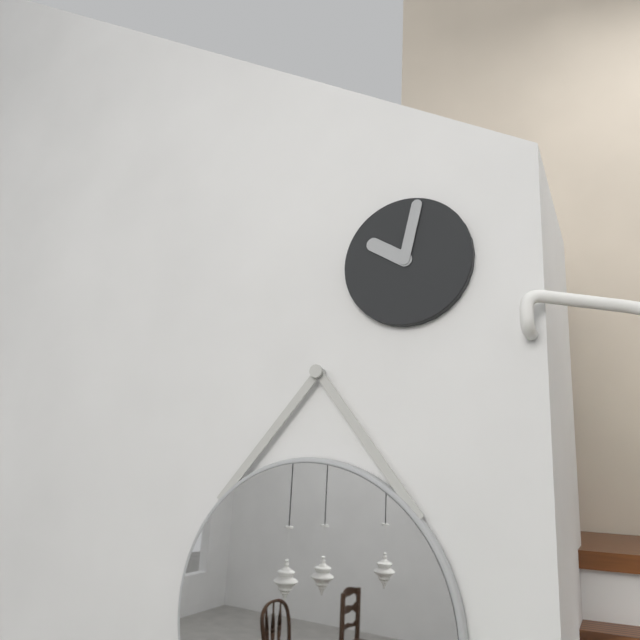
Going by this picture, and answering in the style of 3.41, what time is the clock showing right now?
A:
10.02
